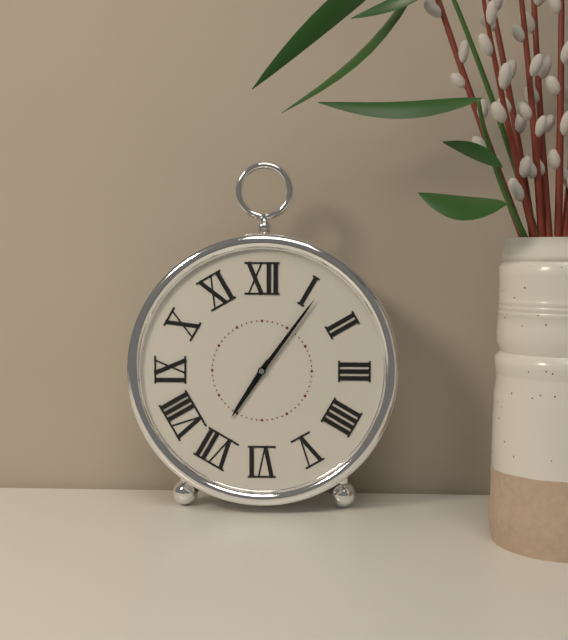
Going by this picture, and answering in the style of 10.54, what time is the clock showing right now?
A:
7.06
